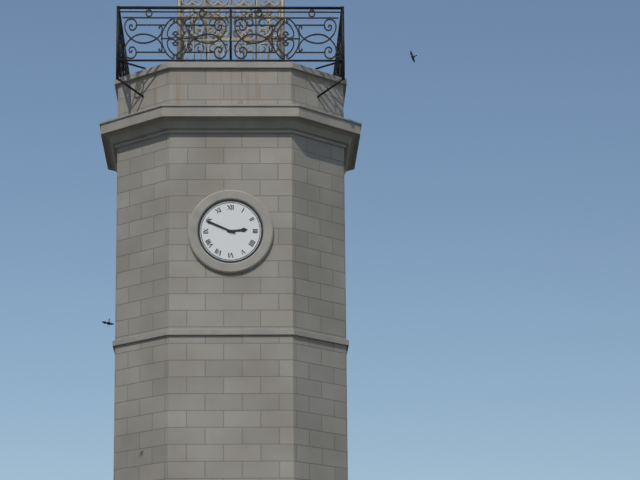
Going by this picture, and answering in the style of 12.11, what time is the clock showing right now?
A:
2.49
